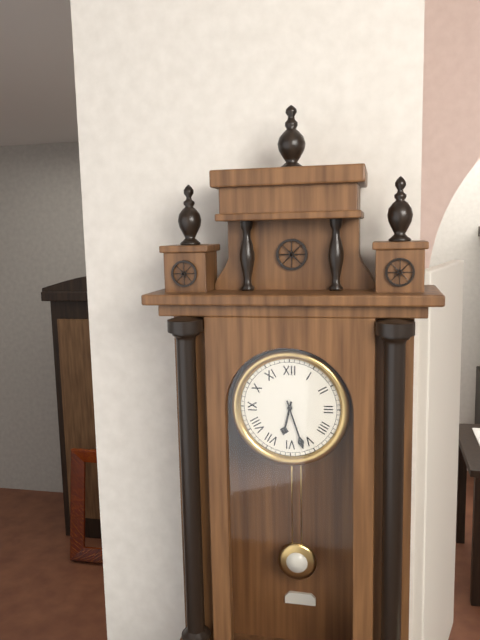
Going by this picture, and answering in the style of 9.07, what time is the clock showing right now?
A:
6.27
